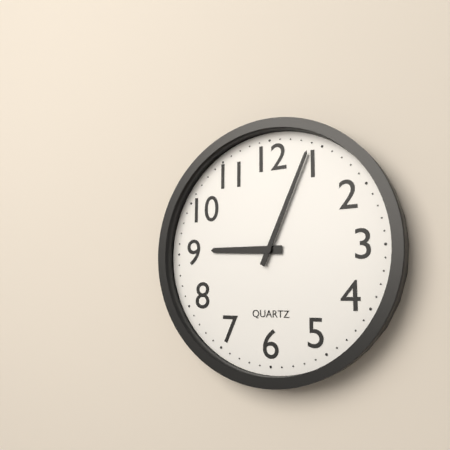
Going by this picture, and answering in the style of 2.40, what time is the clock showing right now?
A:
9.04
